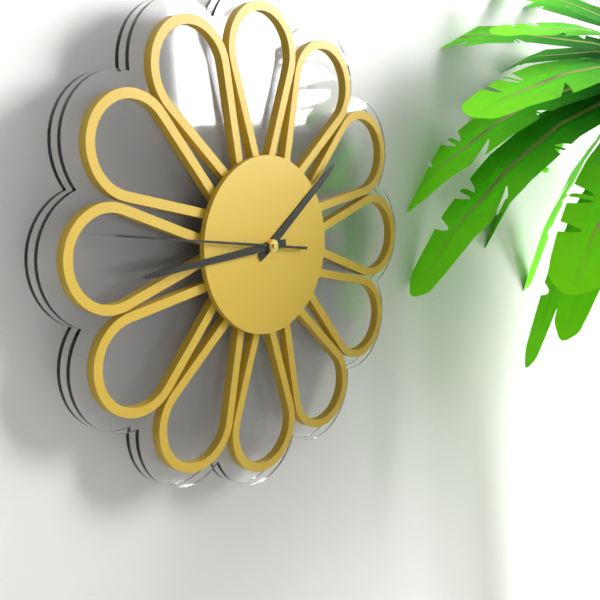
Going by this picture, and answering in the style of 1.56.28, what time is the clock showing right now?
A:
1.44.46
